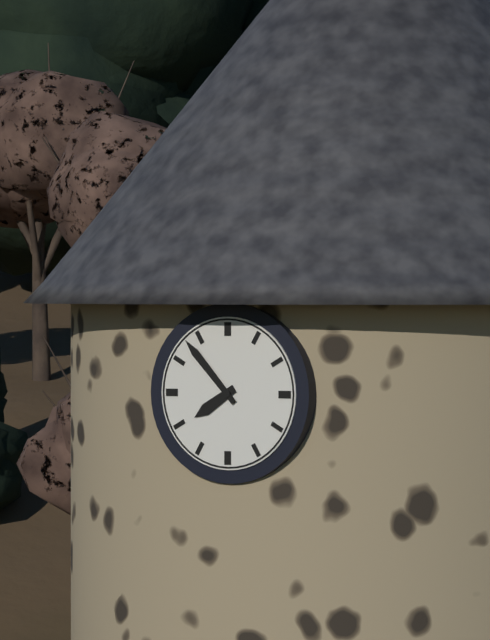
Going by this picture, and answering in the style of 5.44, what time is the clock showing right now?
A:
7.53
